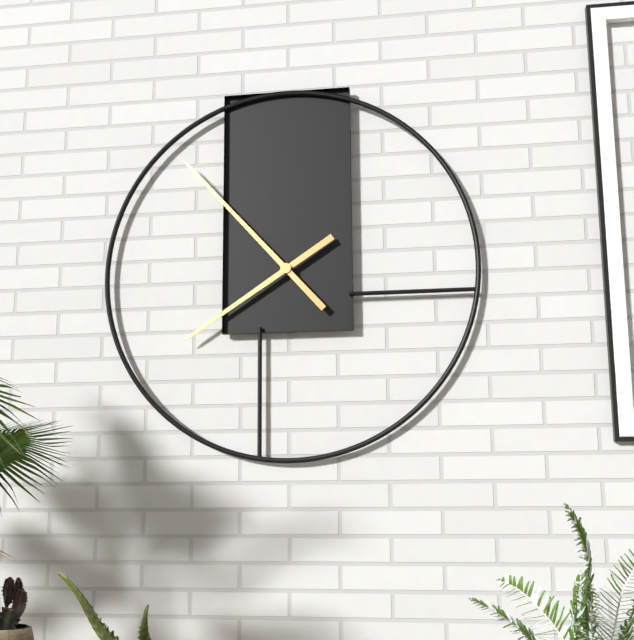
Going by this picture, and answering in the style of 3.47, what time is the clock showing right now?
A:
7.53
